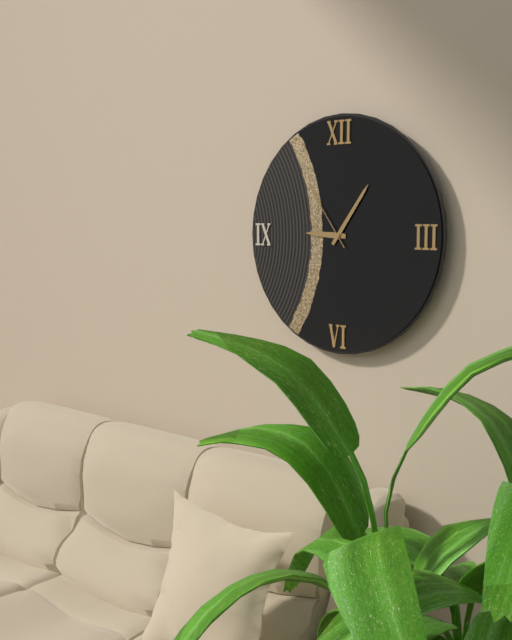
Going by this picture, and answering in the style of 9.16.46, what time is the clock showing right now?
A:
9.06.54
